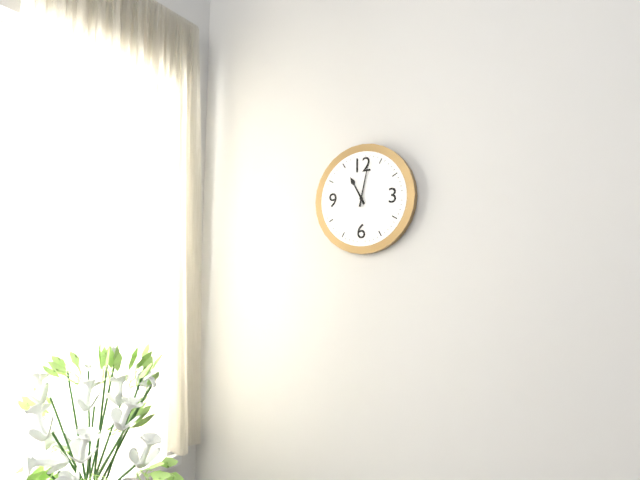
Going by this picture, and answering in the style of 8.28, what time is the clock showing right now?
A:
11.02
